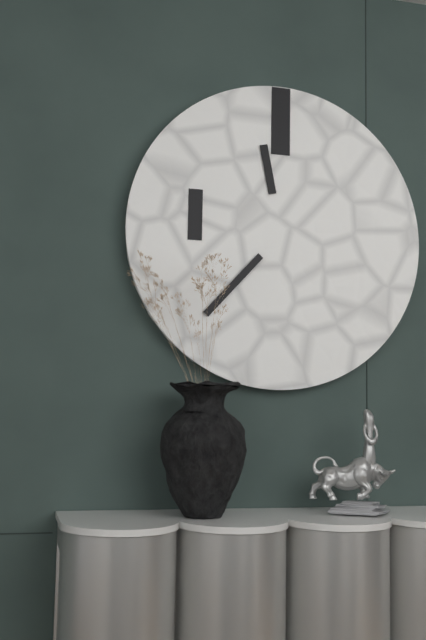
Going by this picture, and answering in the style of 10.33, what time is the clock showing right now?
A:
11.37
